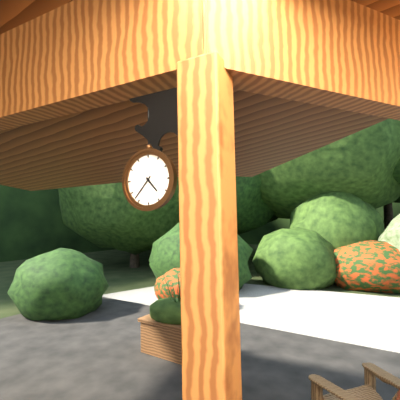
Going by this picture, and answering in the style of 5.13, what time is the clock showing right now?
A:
4.37
